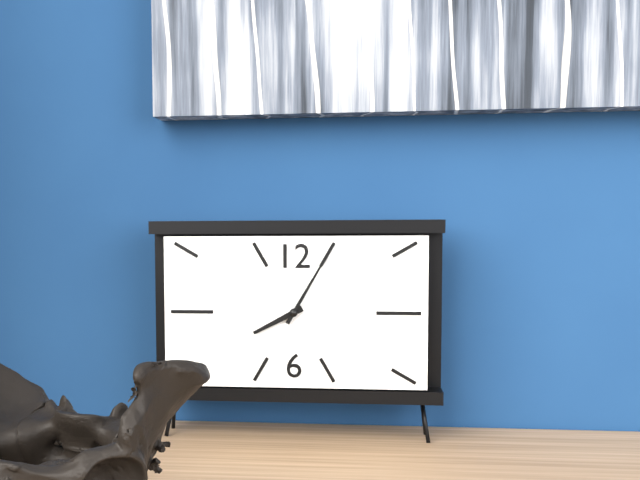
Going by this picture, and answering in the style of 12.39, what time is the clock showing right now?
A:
8.05
